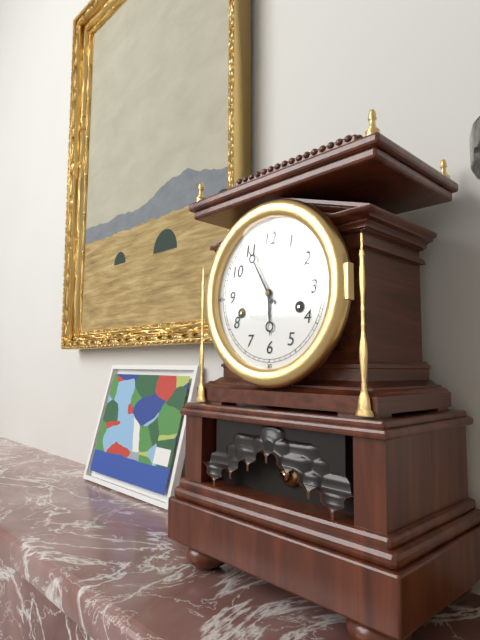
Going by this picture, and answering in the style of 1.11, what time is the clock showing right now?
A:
5.55
